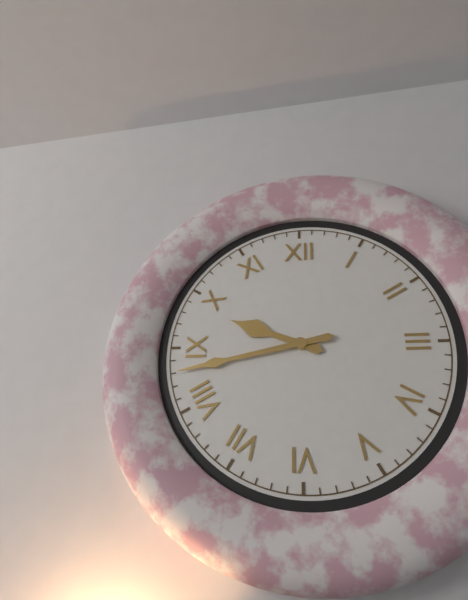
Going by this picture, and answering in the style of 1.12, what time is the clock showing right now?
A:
9.43
